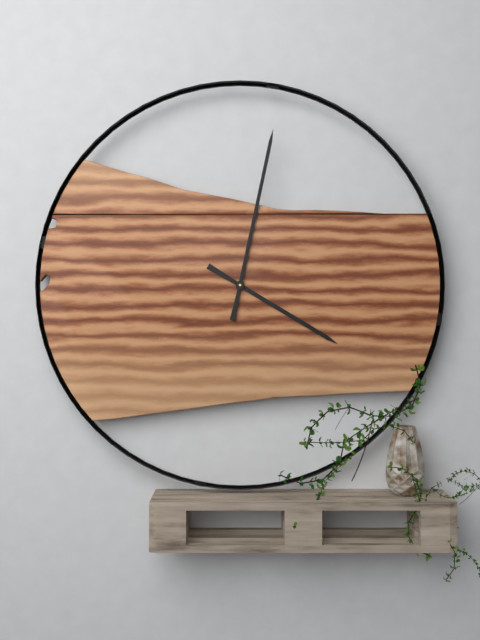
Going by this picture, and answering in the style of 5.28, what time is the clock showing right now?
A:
4.02
